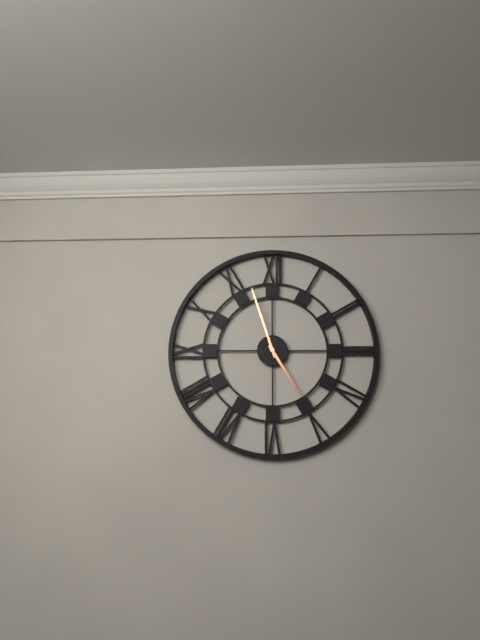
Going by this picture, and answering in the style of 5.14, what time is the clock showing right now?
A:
4.57
